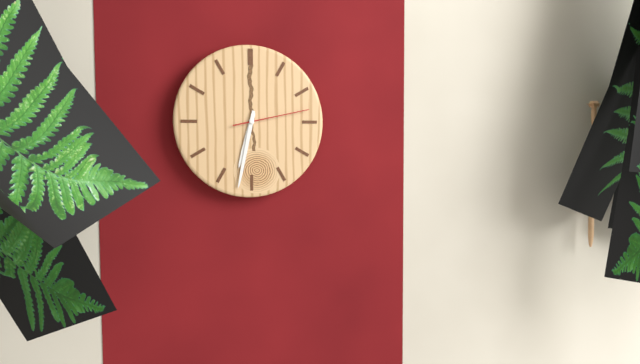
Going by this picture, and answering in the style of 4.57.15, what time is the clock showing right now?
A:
6.32.13
